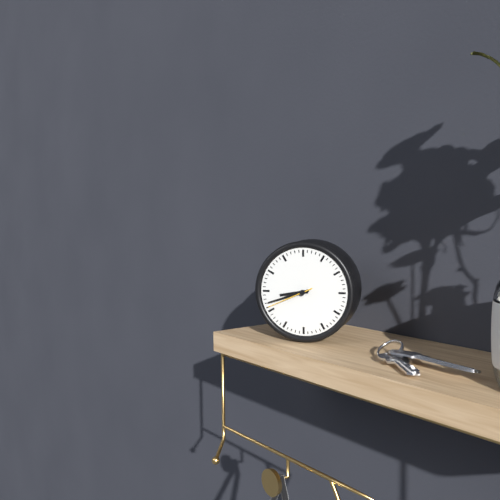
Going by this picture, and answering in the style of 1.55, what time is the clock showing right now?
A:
8.42
